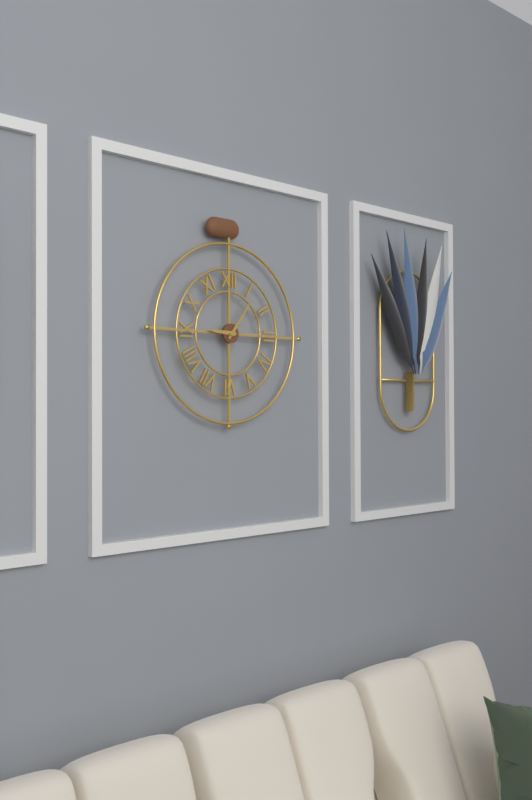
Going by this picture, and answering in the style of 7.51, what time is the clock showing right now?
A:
9.06
